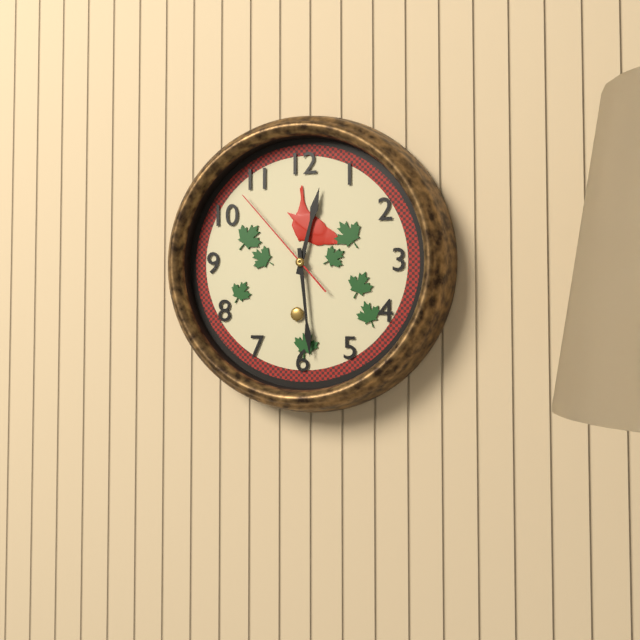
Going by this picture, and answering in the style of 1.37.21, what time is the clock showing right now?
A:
12.29.53
